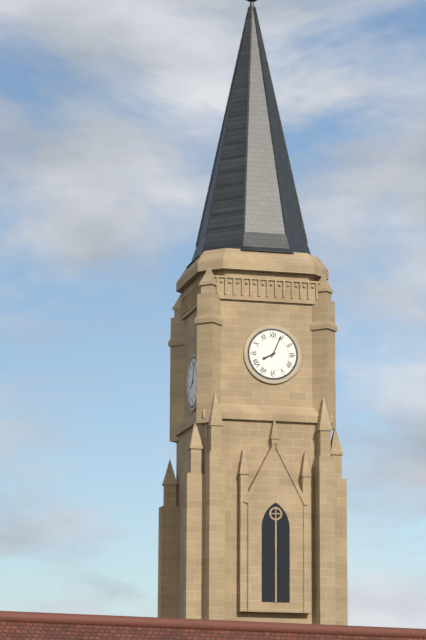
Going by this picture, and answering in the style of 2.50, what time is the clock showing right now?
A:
8.04
